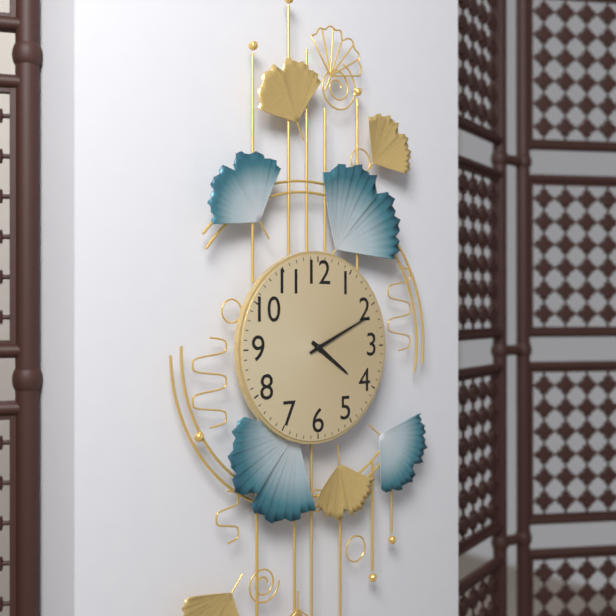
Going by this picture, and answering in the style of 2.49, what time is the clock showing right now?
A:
4.11
